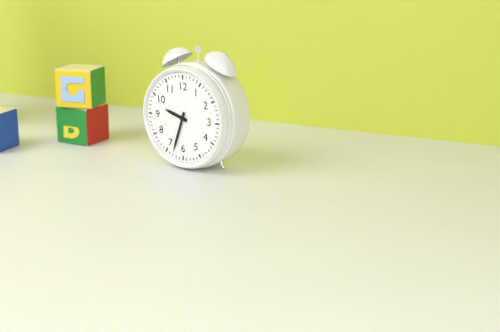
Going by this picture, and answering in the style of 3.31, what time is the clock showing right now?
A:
9.33
